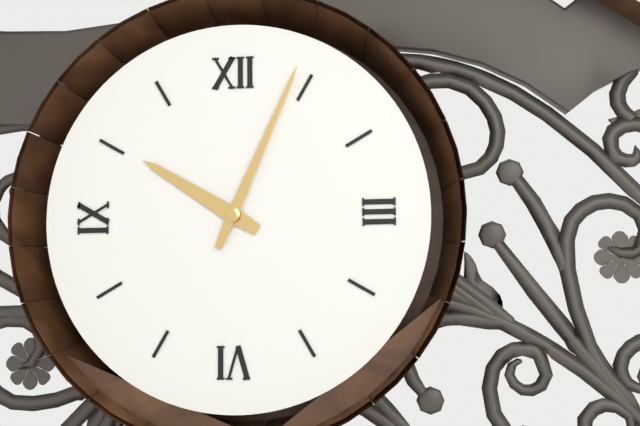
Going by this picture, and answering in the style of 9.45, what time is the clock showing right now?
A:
10.04
